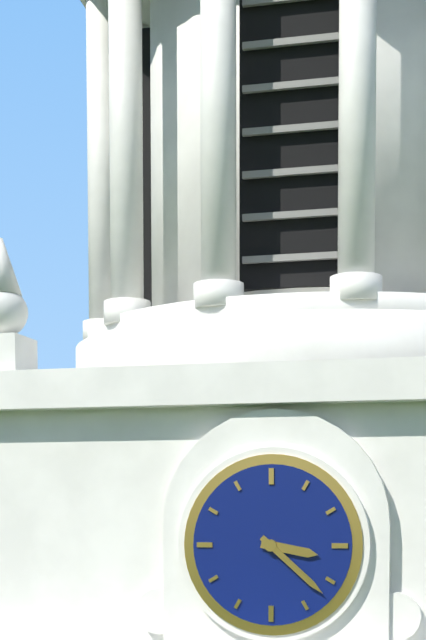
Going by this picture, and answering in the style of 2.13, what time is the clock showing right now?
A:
3.22
